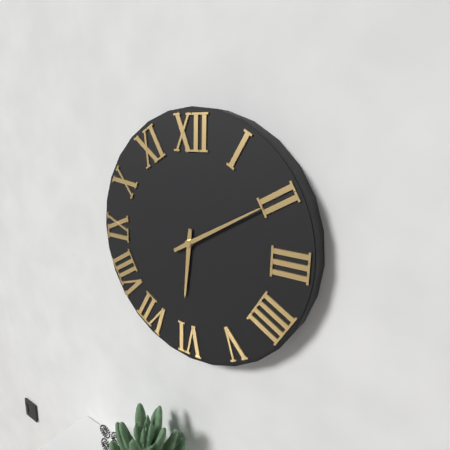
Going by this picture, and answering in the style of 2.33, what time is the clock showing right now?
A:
6.10
